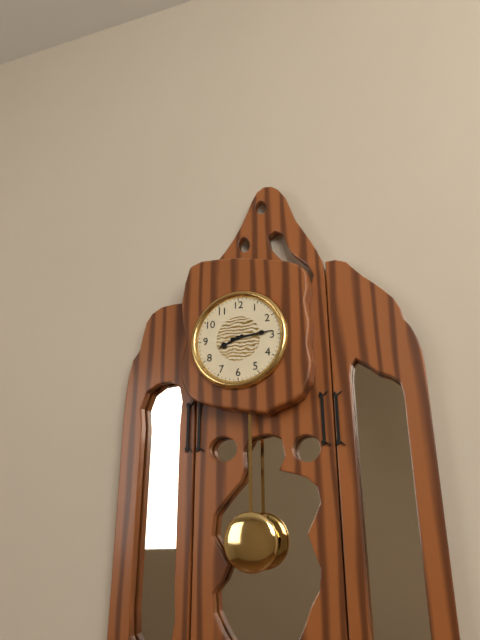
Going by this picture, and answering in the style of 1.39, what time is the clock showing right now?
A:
8.14
